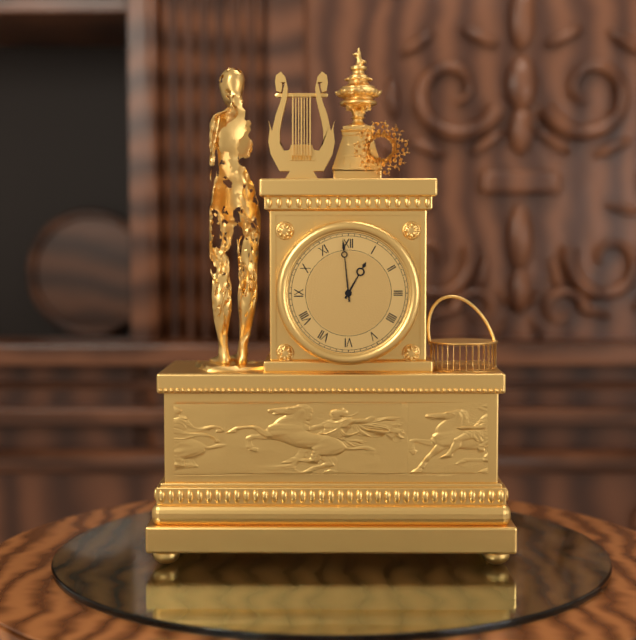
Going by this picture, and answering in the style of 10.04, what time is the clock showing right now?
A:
12.59
